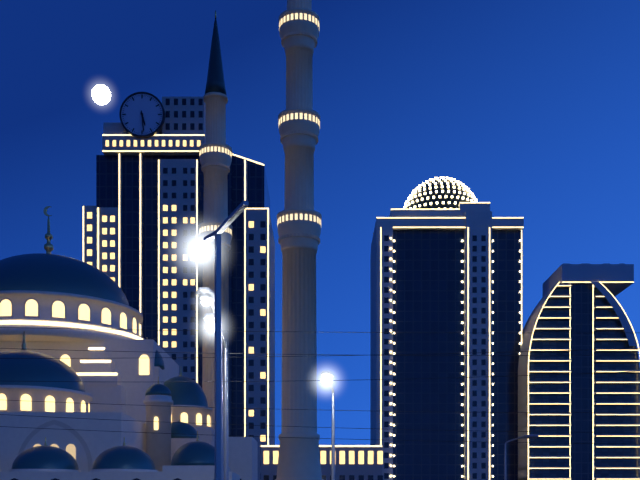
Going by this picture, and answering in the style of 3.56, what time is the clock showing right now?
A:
5.29
